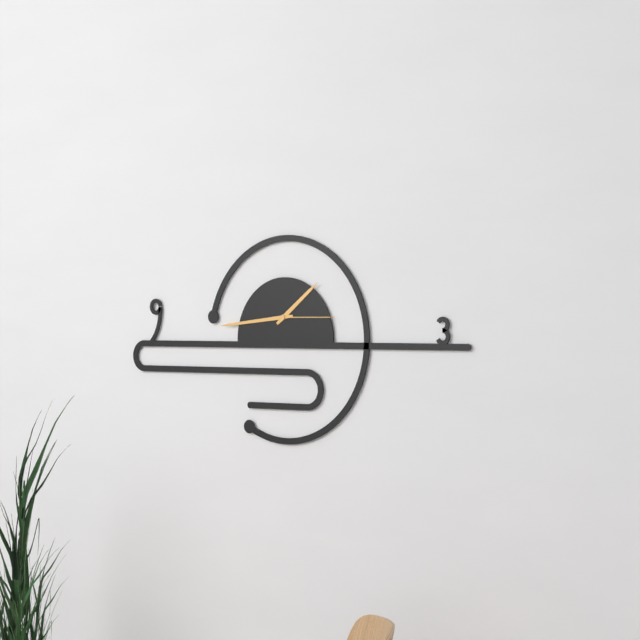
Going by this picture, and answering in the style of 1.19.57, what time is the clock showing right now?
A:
1.44.15
